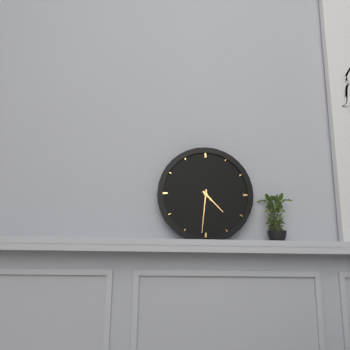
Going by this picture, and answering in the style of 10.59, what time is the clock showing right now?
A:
4.31
